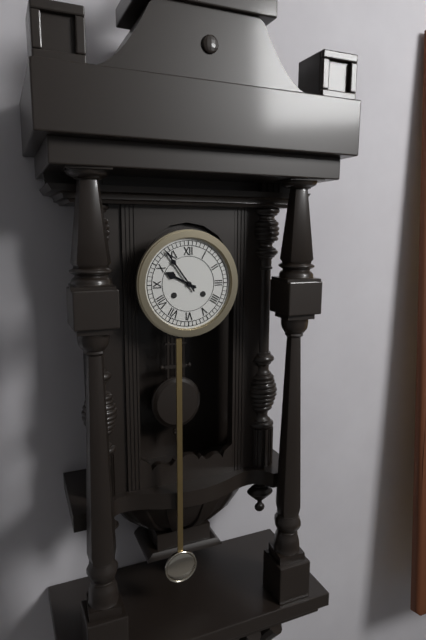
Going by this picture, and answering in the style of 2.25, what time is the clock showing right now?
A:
9.54
